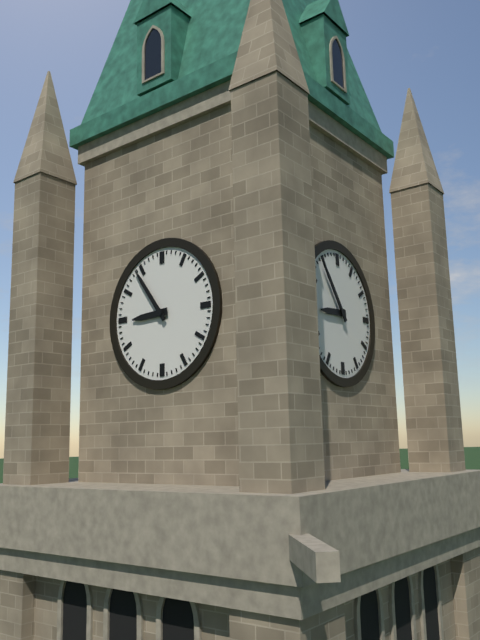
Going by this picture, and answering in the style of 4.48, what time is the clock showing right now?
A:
8.54
